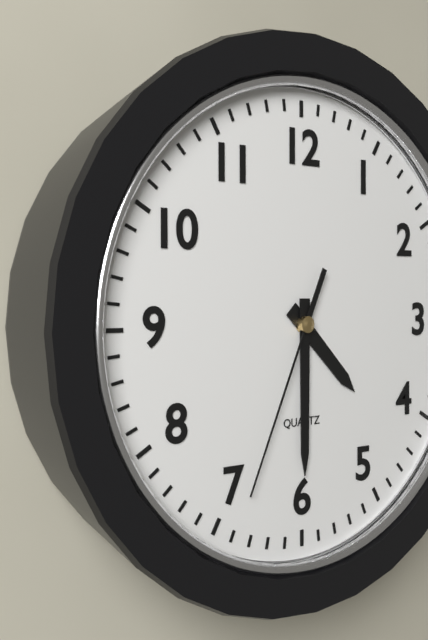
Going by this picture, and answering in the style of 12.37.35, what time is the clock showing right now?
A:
4.30.34
